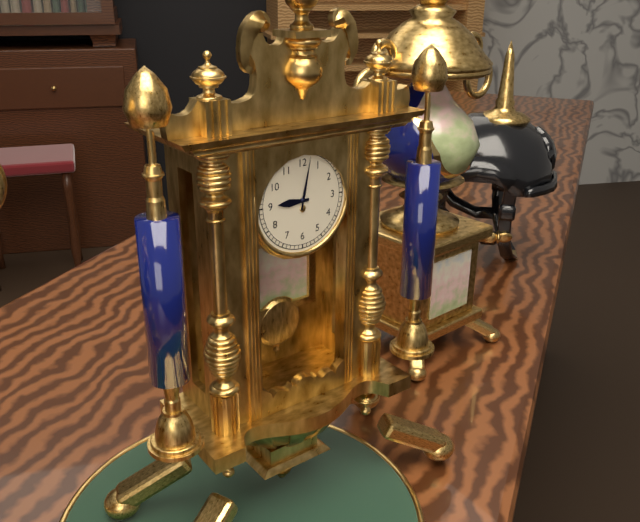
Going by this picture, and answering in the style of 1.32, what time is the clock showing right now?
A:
9.02
